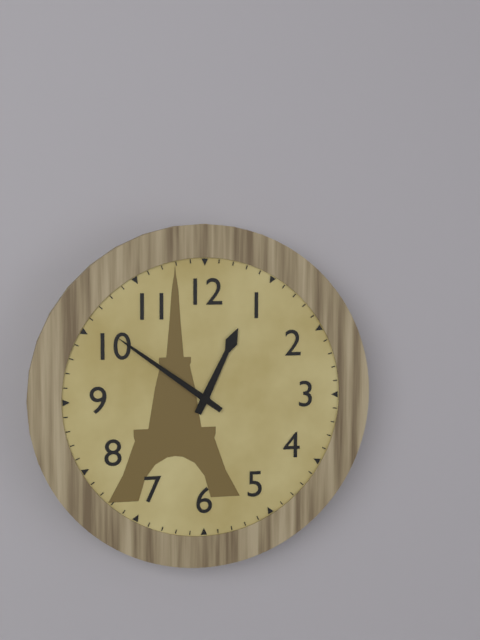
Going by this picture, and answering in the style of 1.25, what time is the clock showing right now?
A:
12.51
